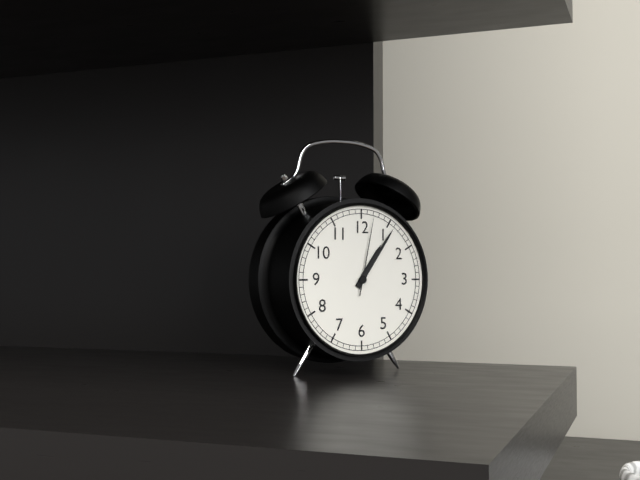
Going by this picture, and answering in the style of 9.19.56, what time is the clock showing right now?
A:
1.06.02
